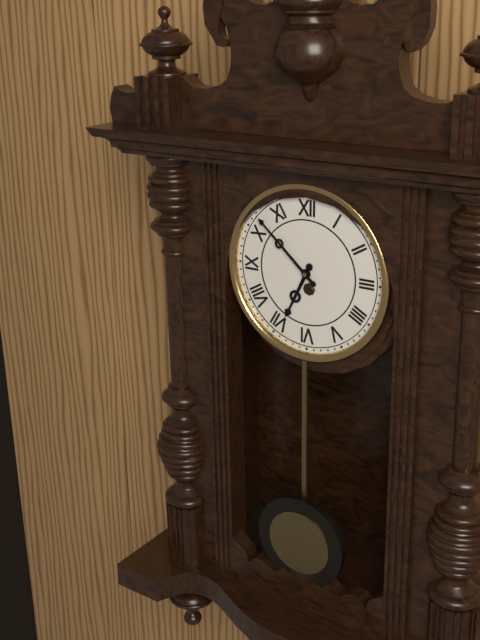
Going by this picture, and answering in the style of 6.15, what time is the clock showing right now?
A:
6.52
